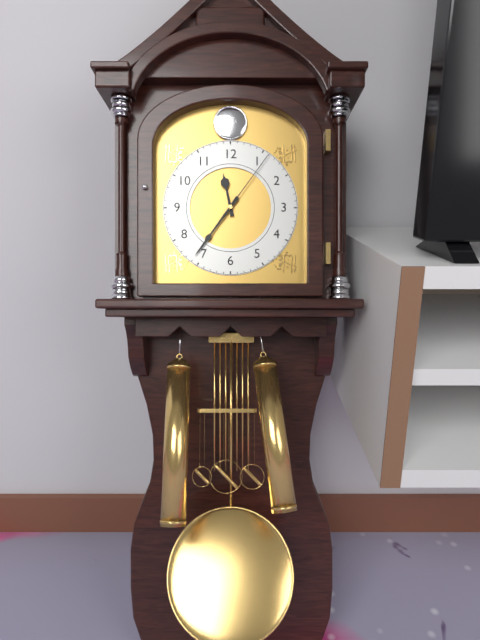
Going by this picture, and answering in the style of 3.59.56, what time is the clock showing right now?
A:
11.36.06
